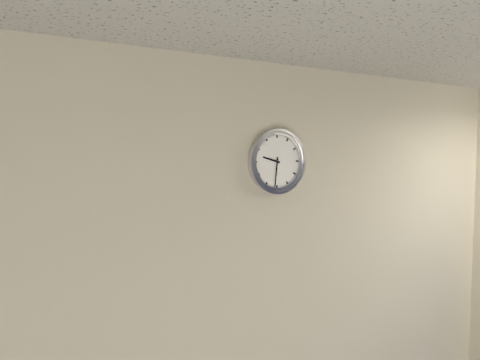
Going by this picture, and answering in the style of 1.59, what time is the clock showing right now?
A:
9.31
